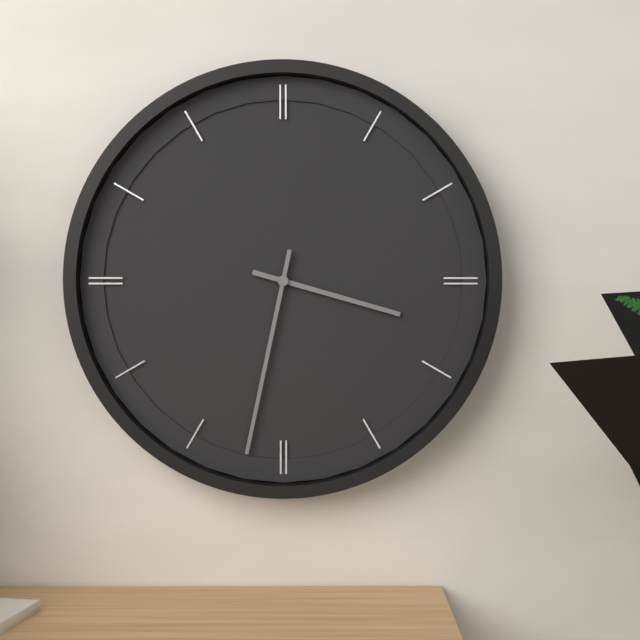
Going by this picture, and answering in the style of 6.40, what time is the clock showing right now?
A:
3.32
